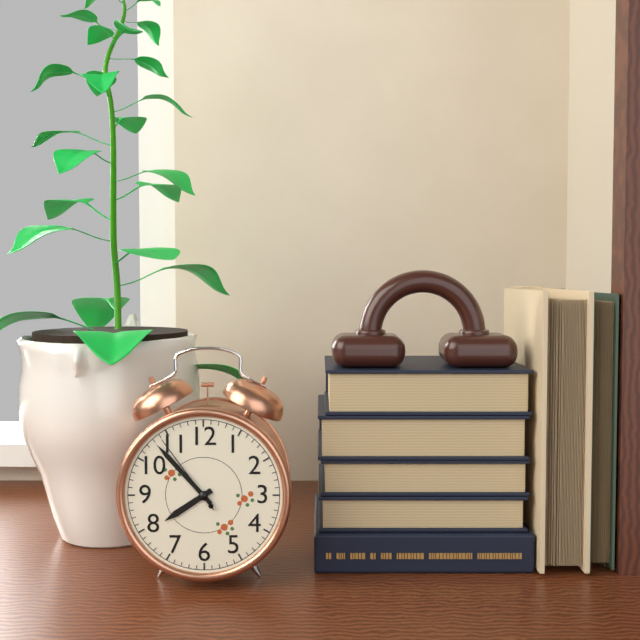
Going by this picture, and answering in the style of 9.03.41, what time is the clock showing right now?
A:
7.53.54
